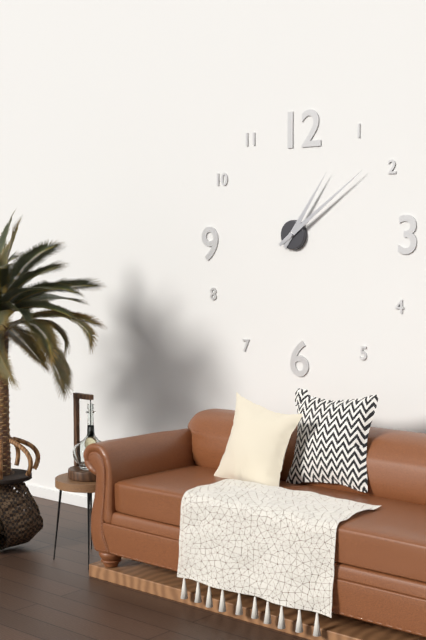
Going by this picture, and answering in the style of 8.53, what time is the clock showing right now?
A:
1.09
